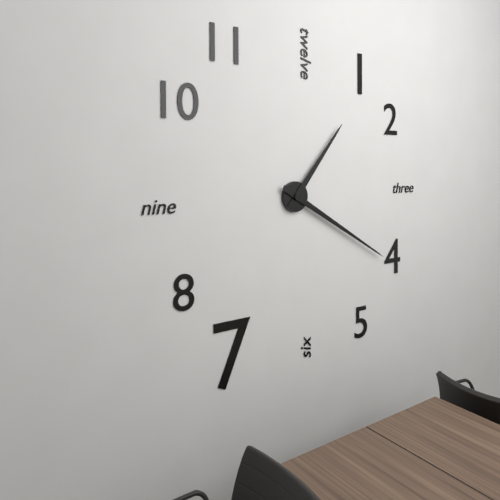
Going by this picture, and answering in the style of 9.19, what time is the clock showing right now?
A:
1.20
